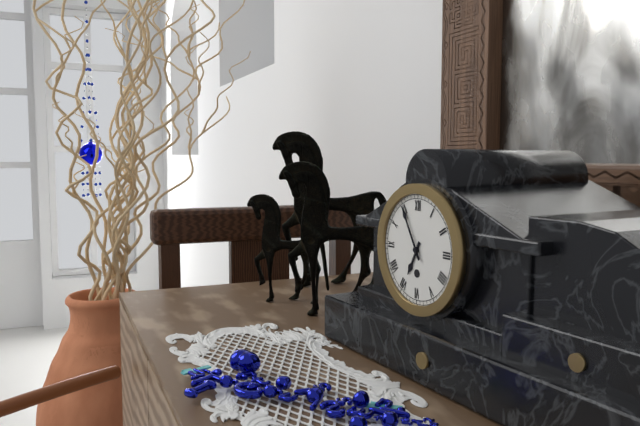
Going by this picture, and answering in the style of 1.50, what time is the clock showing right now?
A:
6.55
